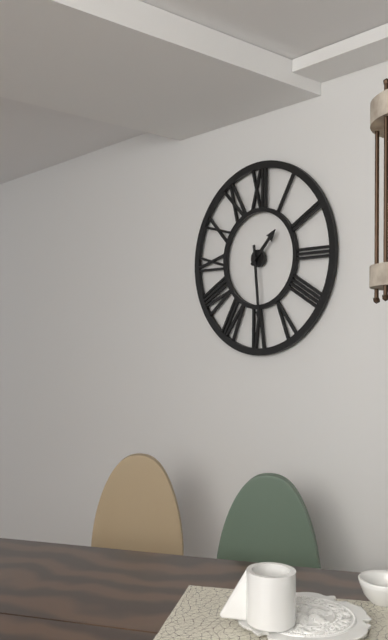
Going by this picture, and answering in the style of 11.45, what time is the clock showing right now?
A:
1.29
